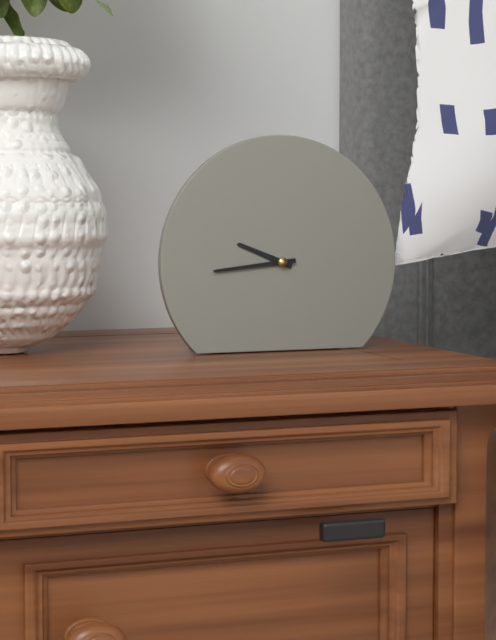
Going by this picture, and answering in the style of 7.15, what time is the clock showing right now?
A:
9.44
